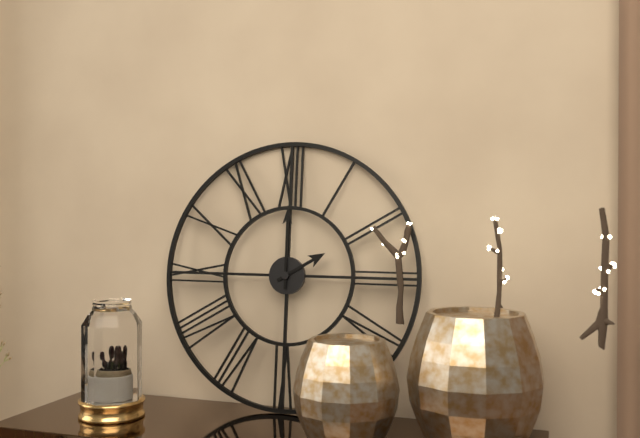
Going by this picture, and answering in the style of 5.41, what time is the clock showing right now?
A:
2.00
